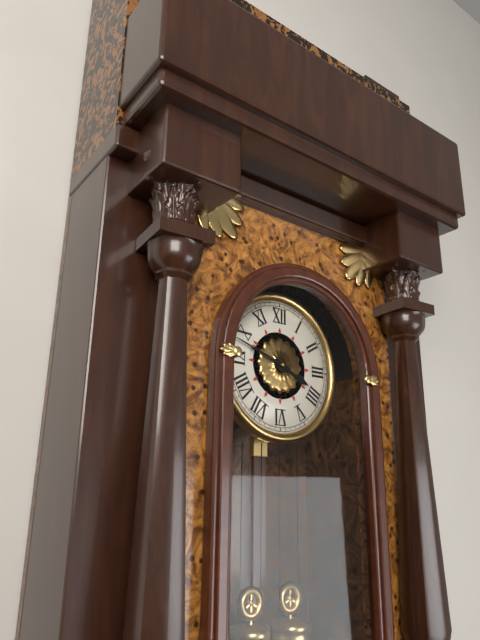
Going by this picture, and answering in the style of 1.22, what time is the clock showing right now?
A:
3.48
